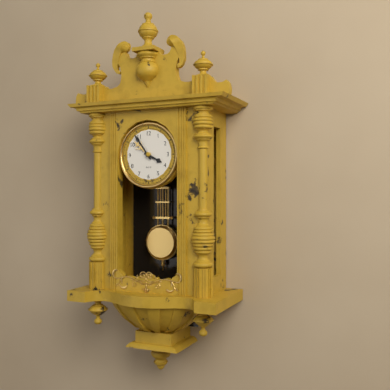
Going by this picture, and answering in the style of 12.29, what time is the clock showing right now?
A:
3.54
